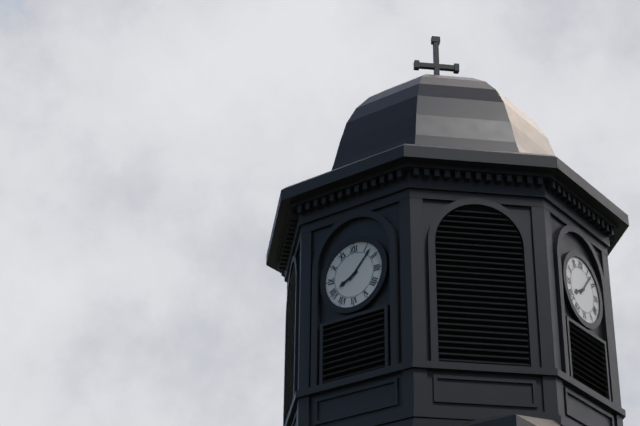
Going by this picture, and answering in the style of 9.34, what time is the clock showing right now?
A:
8.07
